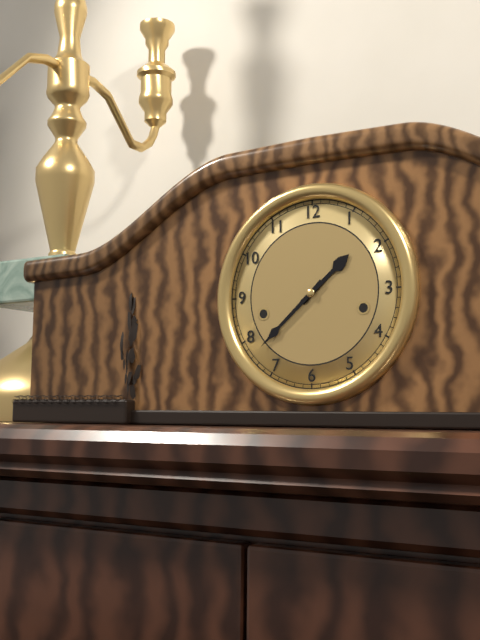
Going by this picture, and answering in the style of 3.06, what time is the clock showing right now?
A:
1.38
